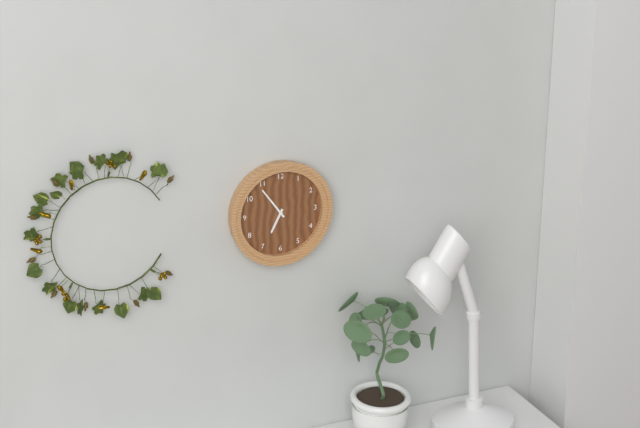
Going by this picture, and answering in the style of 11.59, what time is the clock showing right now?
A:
6.54
